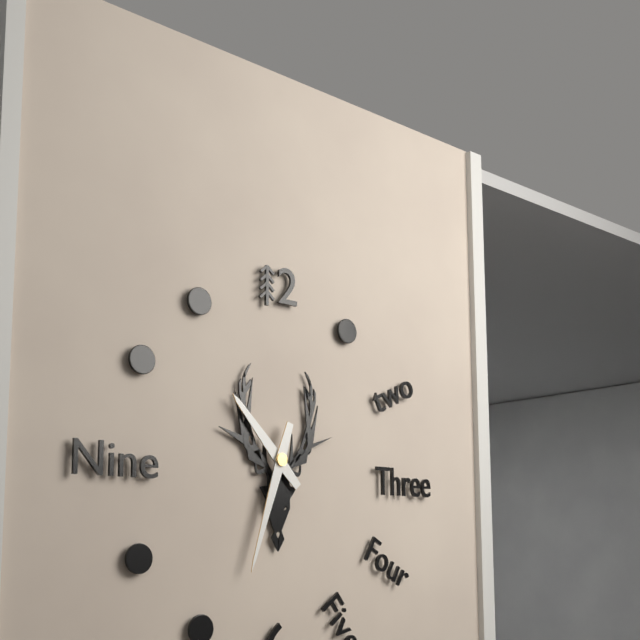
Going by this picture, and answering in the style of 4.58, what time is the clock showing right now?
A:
10.33
